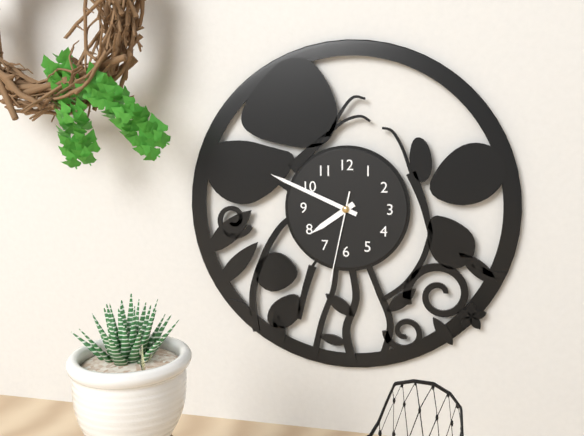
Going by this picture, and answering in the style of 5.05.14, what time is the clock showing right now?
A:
7.49.32
